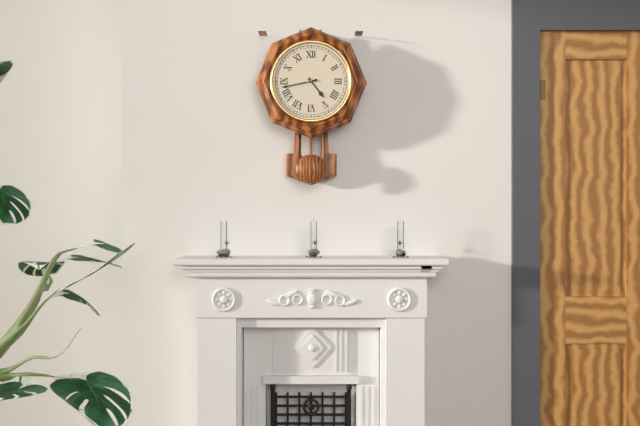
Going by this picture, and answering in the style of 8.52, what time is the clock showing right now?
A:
4.43
